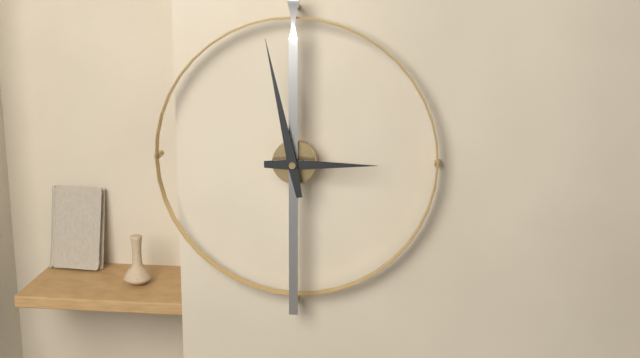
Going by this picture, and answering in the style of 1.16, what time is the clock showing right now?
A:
2.58
